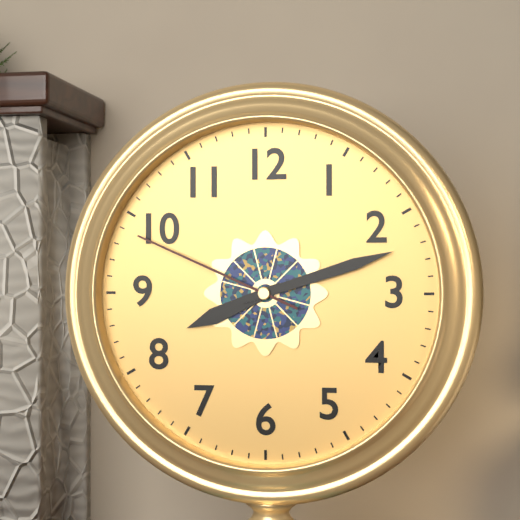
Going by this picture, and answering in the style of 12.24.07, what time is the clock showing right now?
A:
8.12.49
